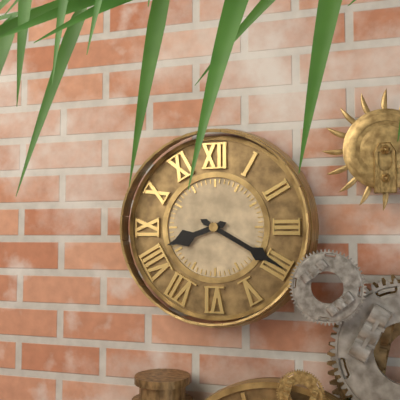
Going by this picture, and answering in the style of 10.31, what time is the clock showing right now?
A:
8.20
